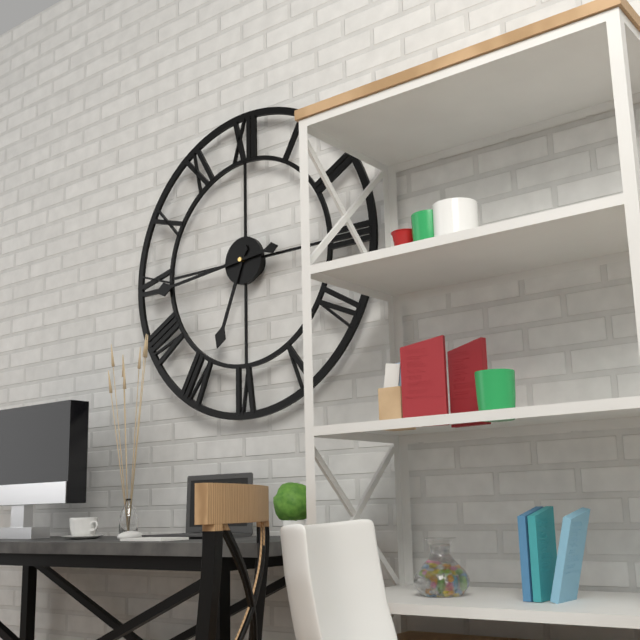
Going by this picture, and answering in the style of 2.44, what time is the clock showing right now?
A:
6.44
